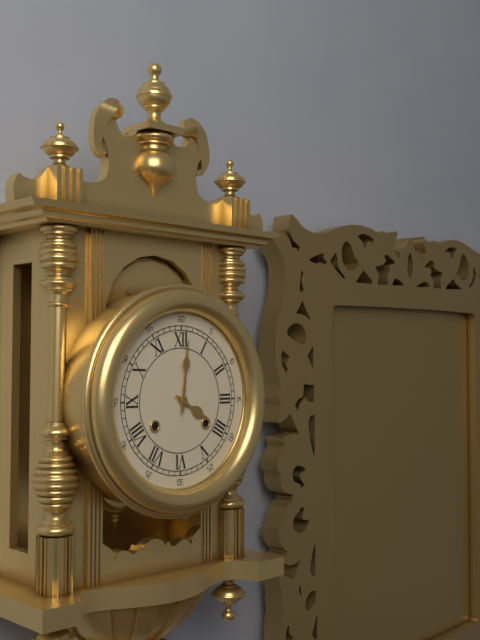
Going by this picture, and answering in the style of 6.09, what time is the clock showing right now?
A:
4.01
